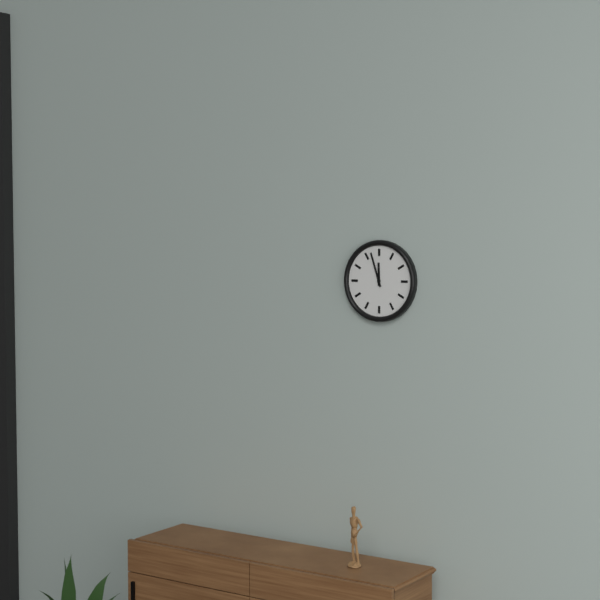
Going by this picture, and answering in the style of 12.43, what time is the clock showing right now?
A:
11.57
